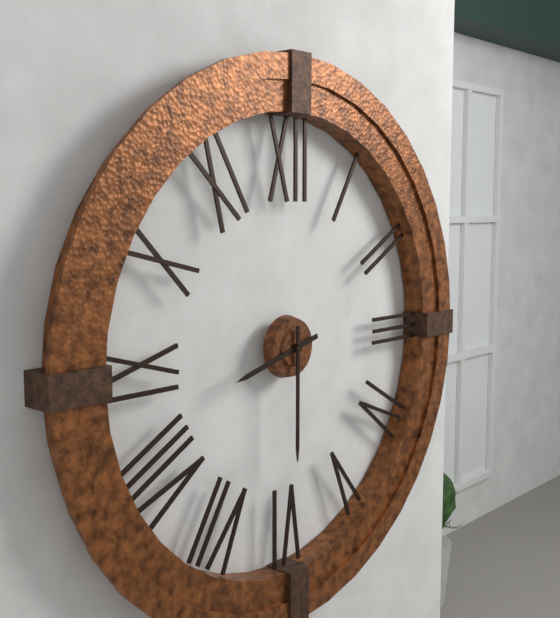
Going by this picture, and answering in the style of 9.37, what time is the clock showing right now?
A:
8.30
